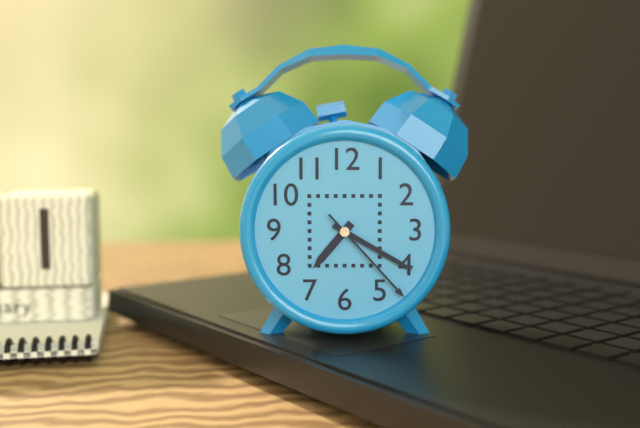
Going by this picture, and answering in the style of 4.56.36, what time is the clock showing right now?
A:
7.20.23
